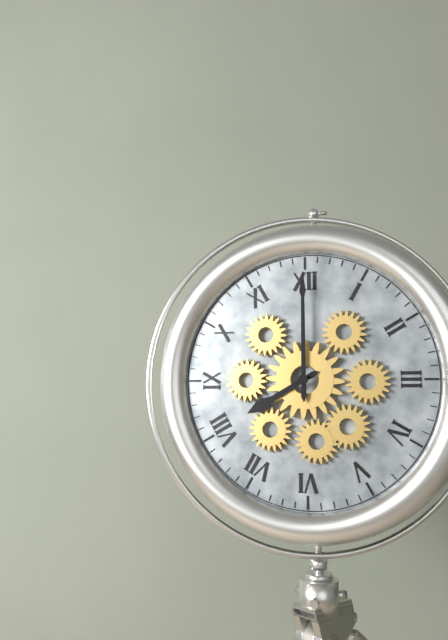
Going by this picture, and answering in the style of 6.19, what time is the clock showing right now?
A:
8.00
